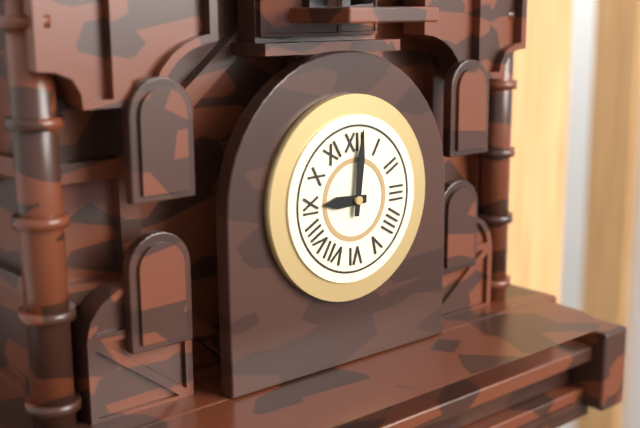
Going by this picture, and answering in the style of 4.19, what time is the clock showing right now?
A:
9.01
